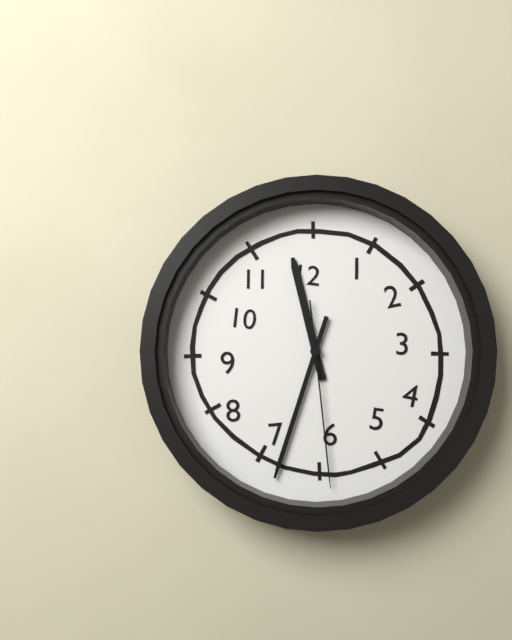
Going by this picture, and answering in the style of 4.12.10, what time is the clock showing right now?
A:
11.33.29
